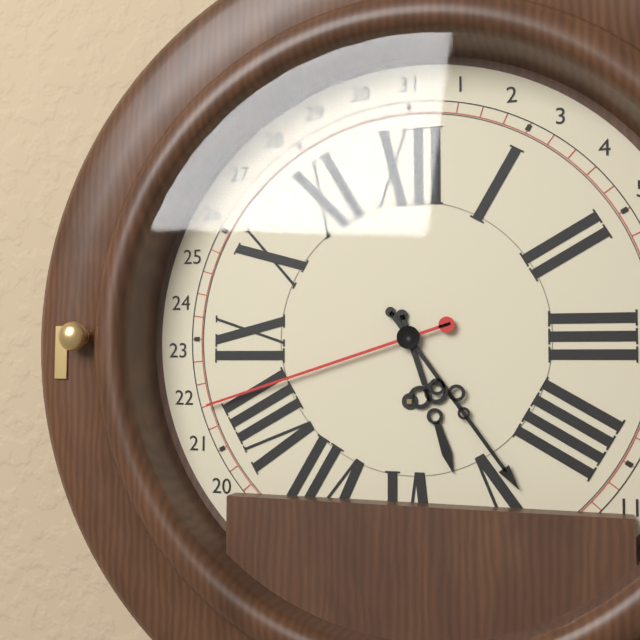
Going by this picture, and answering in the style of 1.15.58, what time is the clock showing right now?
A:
5.24.42
